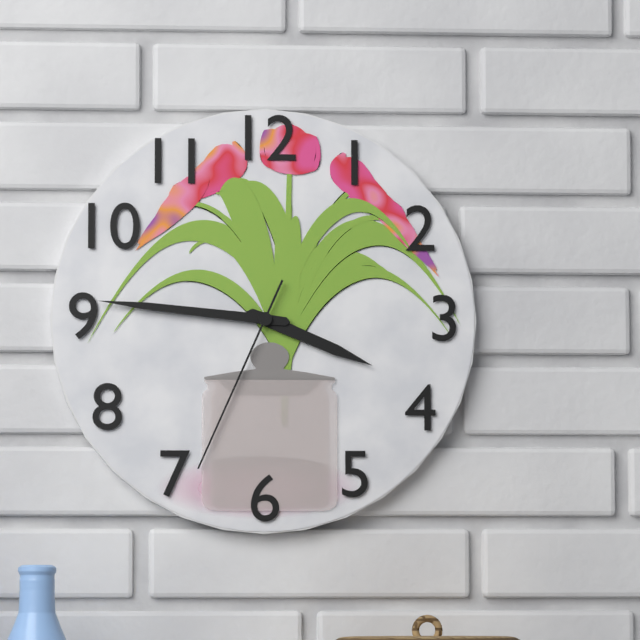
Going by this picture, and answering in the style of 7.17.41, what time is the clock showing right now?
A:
3.46.34
